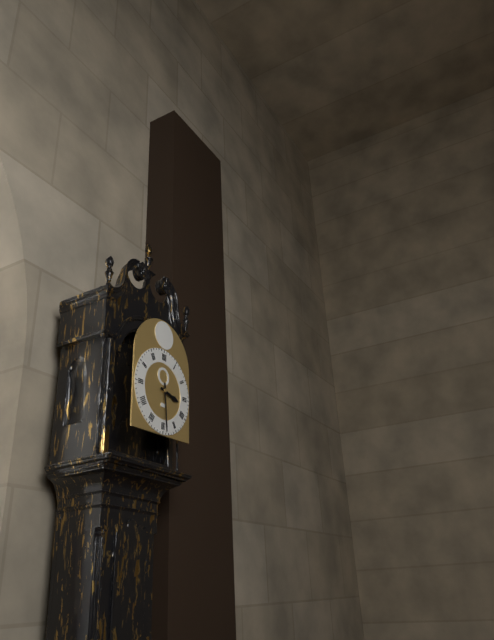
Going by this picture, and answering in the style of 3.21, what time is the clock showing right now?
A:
3.29
